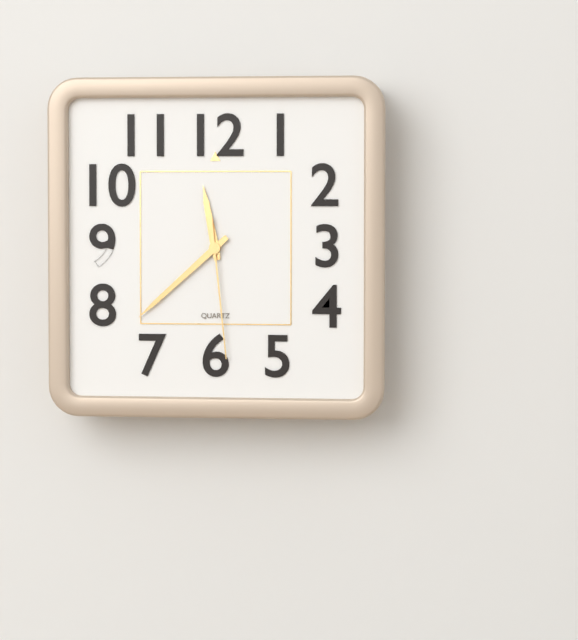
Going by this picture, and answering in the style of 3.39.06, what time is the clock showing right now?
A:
11.38.29
